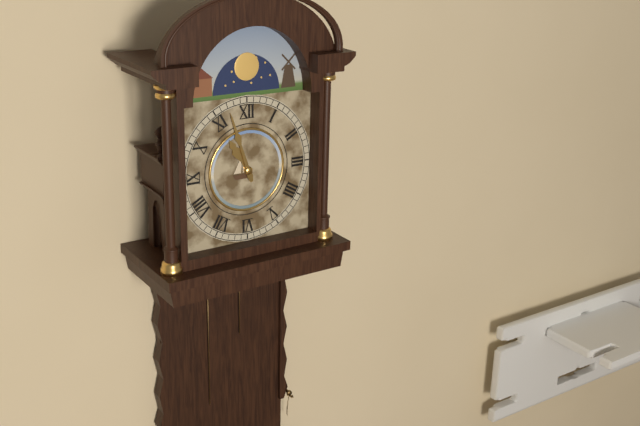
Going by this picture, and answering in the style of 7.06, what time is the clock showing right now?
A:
10.57
